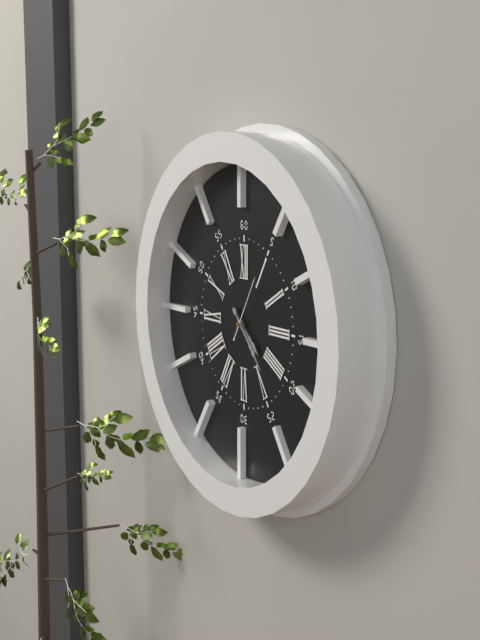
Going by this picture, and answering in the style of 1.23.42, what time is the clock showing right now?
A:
4.23.05
